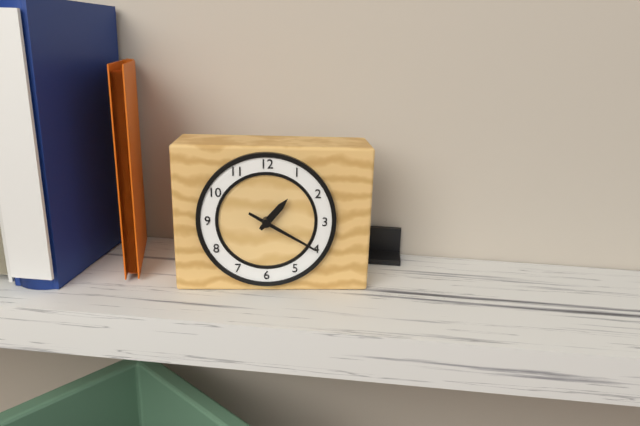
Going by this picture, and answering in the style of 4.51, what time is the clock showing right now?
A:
1.20
